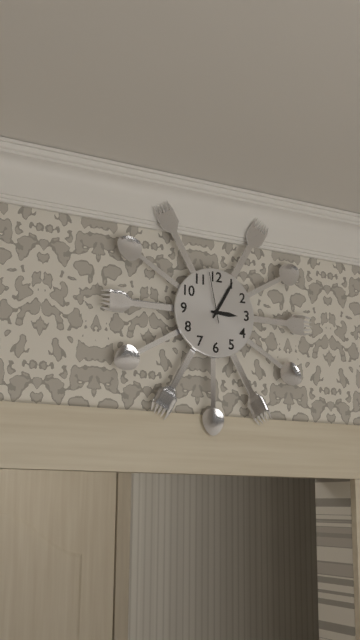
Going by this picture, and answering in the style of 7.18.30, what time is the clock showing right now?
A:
3.05.58
